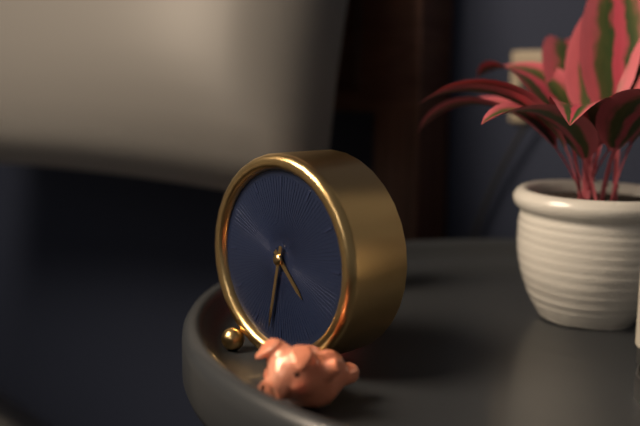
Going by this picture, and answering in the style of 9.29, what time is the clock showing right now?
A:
4.32
